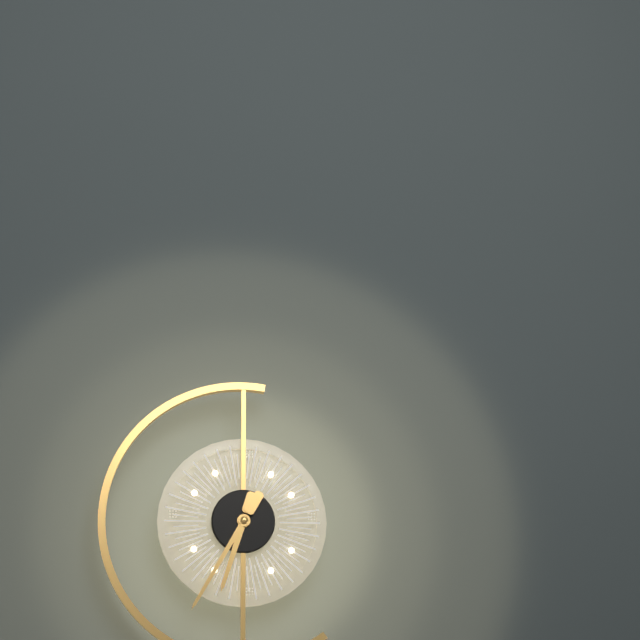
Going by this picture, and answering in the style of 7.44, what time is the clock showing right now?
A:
6.35
